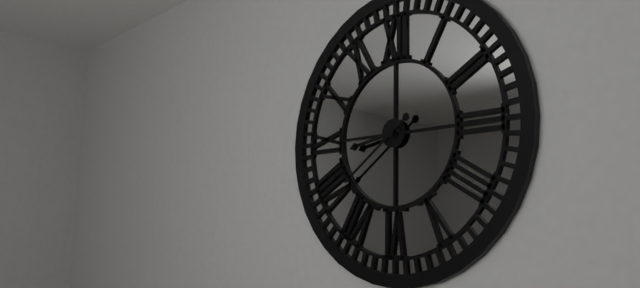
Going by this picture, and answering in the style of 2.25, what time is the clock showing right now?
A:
8.39
